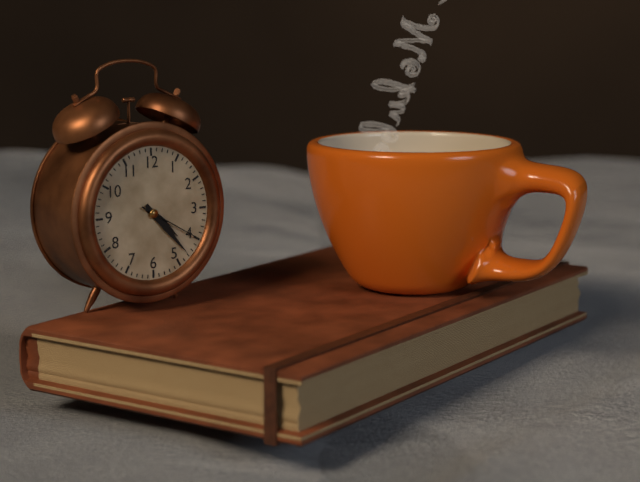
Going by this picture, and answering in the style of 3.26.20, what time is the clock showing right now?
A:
4.23.20
